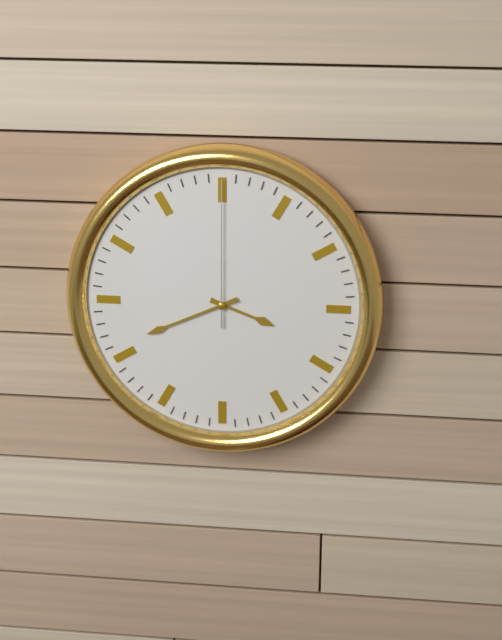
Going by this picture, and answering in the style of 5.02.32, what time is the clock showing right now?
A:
3.41.00
